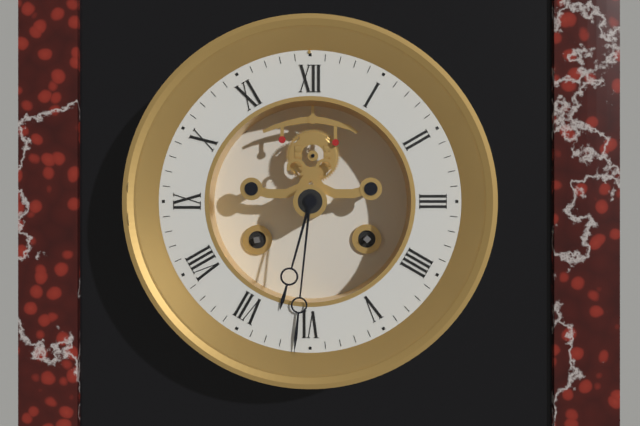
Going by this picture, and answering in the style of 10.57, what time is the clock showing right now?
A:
6.31
